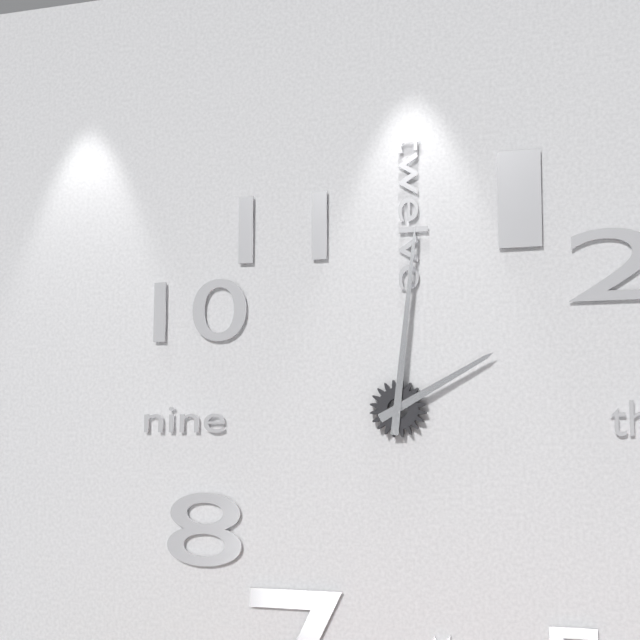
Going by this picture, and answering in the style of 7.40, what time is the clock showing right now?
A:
2.01
